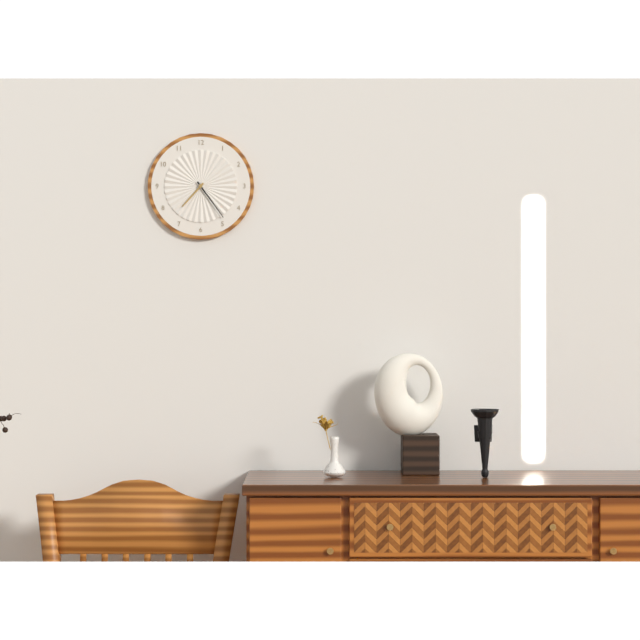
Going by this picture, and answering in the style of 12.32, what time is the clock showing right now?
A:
7.24
